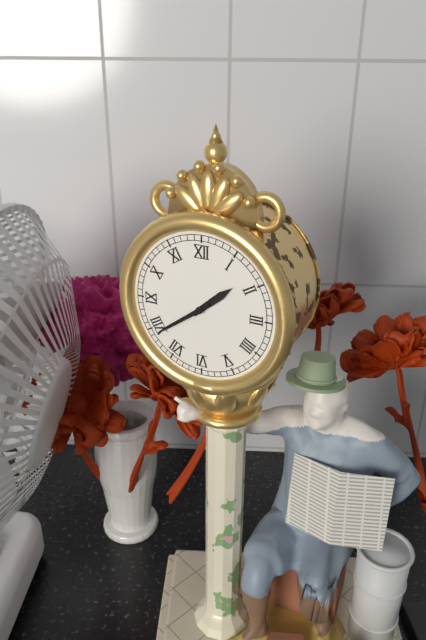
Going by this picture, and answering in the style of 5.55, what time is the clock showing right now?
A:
1.39
